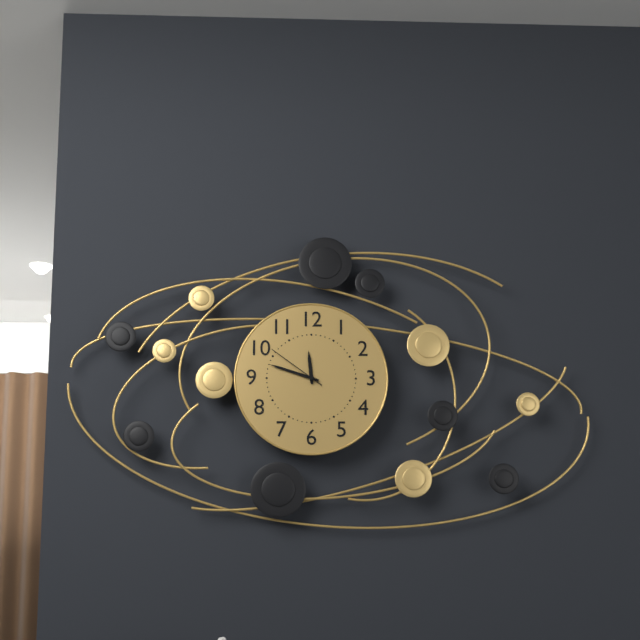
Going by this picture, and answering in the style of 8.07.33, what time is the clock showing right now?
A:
11.48.51
